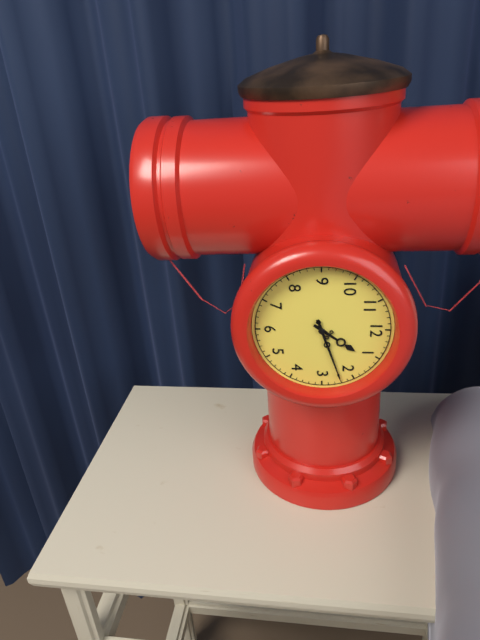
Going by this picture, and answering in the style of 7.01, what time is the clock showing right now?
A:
1.12
